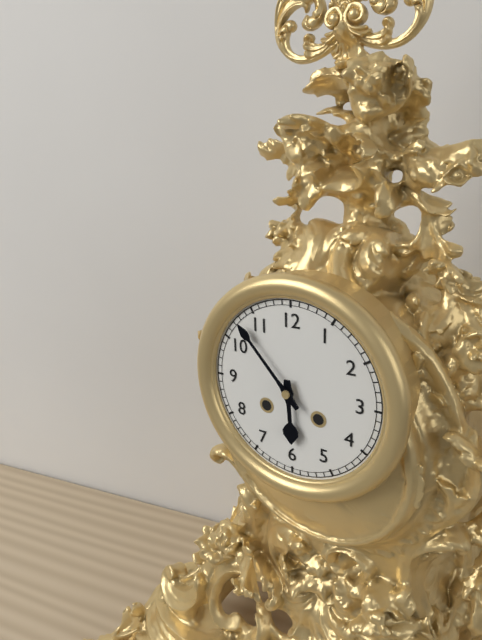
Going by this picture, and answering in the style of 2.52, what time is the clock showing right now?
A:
5.53
